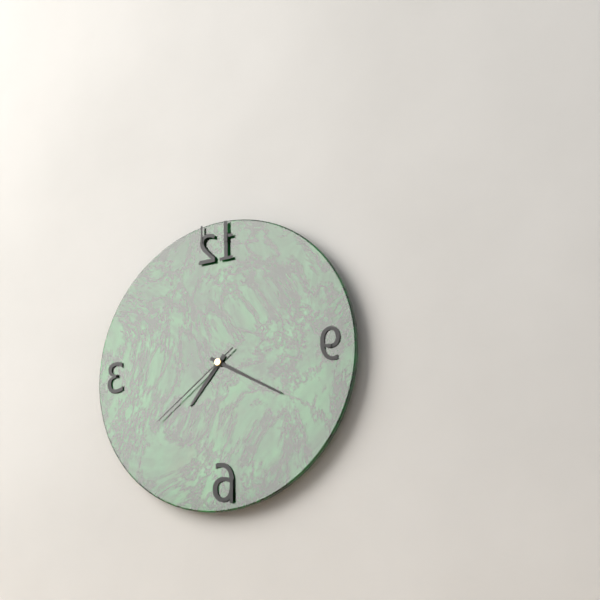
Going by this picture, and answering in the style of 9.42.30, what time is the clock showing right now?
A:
7.20.39
